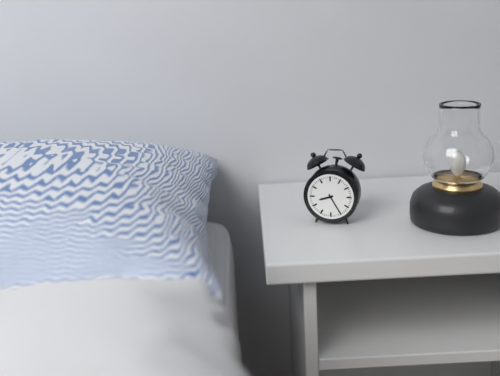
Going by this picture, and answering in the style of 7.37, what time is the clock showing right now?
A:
8.25
